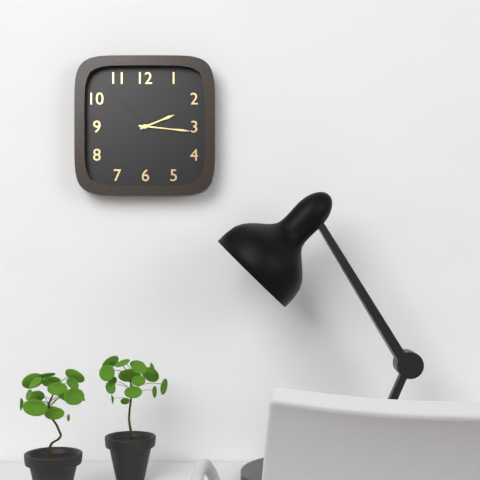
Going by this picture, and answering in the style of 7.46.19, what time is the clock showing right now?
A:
2.16.53
